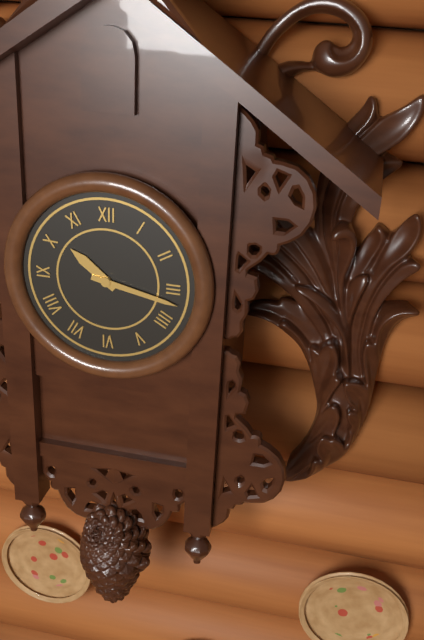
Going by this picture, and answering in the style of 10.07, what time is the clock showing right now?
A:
10.17
